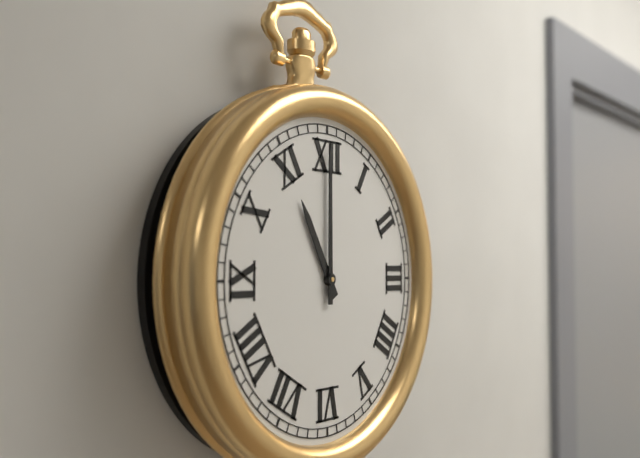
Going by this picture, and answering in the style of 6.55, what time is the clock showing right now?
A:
11.00
